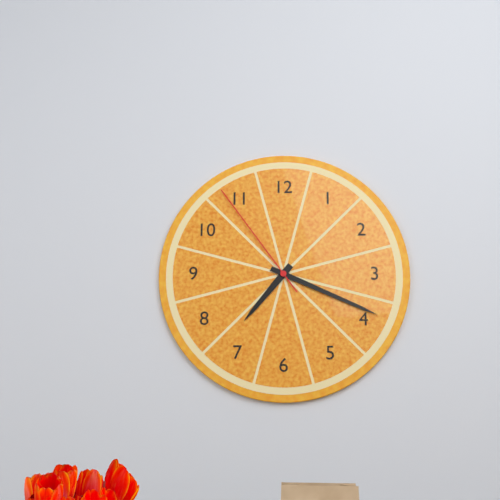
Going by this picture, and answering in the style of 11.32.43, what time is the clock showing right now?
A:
7.19.54
